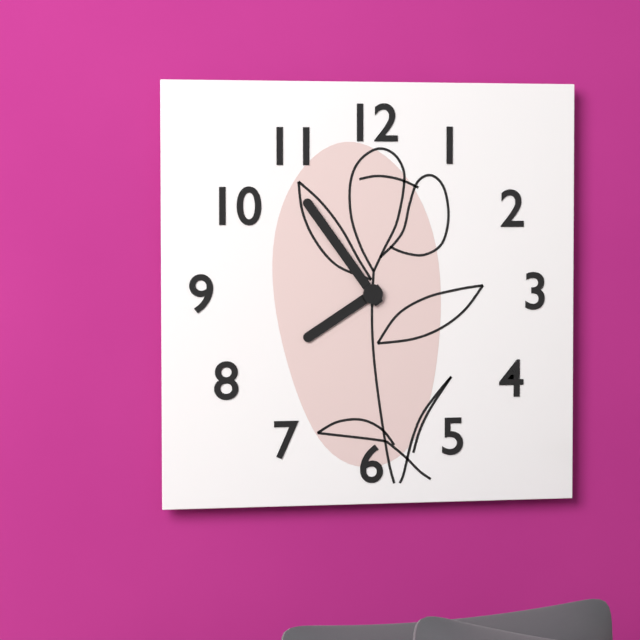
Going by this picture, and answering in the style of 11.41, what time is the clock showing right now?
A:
7.54
